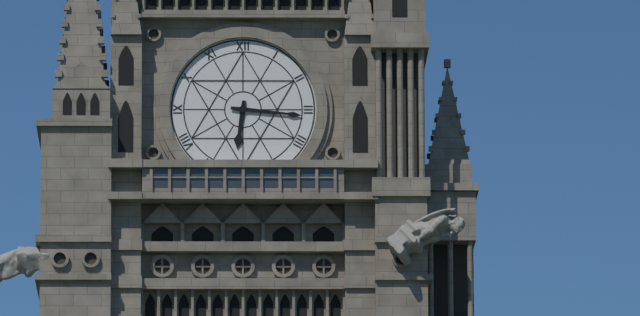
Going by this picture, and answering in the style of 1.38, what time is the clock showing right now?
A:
6.16
